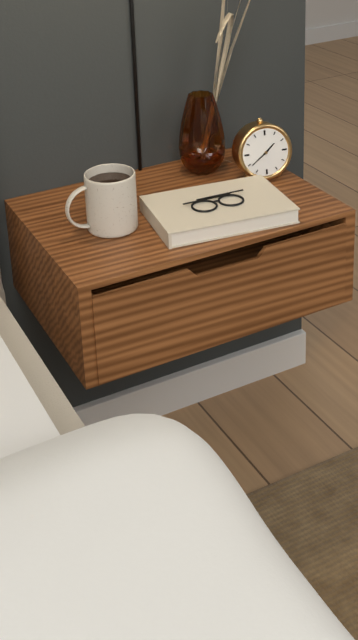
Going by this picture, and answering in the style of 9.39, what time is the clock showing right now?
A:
1.39
